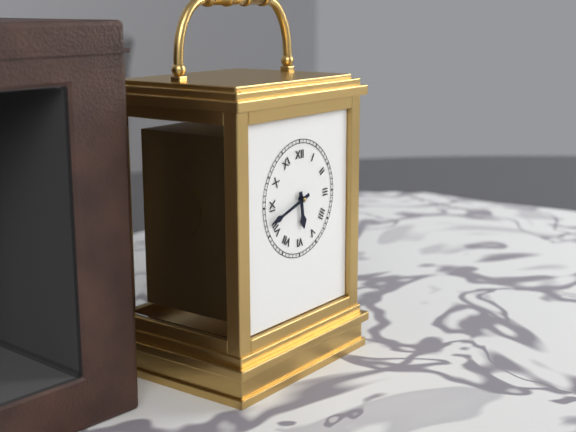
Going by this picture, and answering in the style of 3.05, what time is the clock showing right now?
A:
5.42
